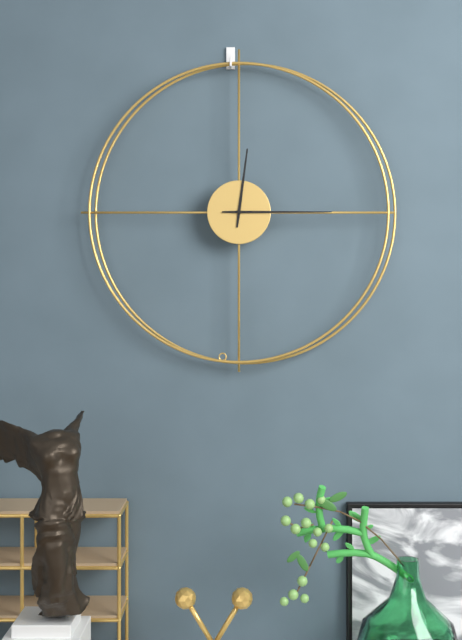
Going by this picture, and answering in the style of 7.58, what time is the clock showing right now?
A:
12.15
